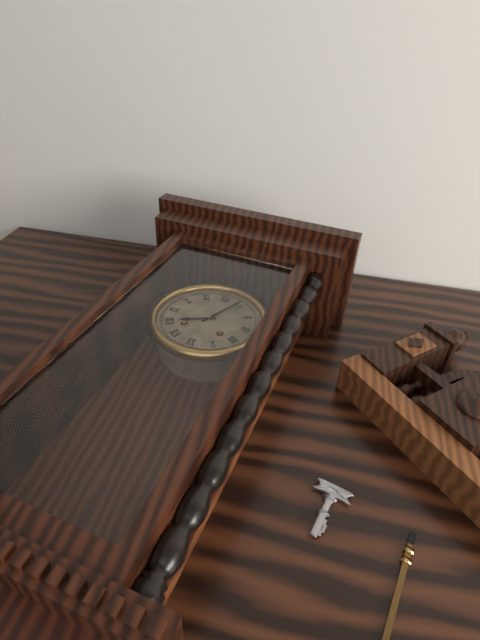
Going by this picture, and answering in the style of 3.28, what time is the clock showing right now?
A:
8.04
